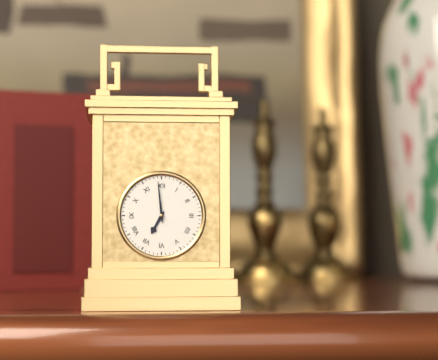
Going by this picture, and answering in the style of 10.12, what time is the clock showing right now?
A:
6.59
